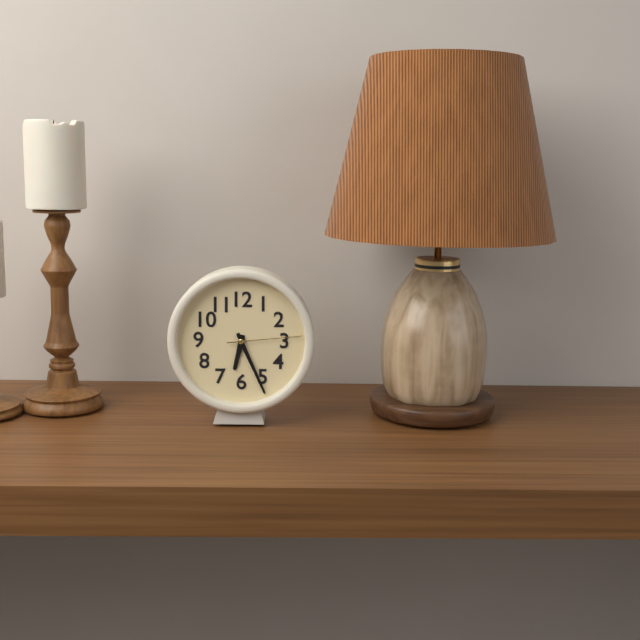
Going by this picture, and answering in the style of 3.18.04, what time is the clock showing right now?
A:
6.26.14
